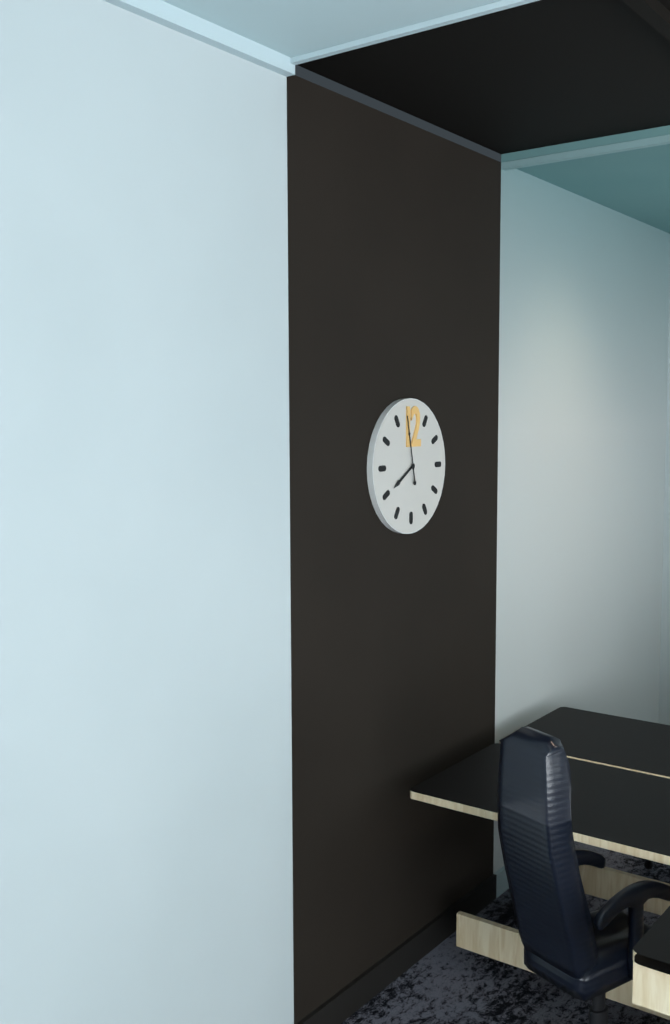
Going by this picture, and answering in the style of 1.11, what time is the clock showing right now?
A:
7.58
